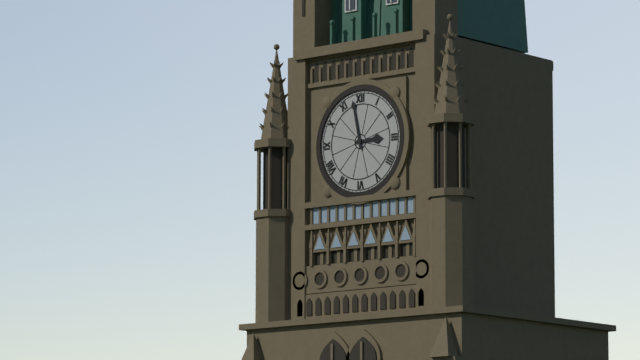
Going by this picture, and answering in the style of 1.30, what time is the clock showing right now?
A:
2.58
